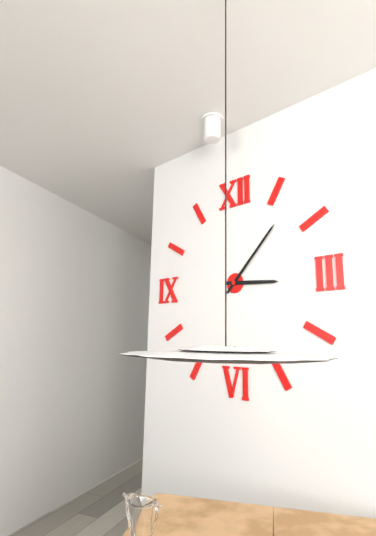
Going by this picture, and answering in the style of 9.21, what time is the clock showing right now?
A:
3.07
